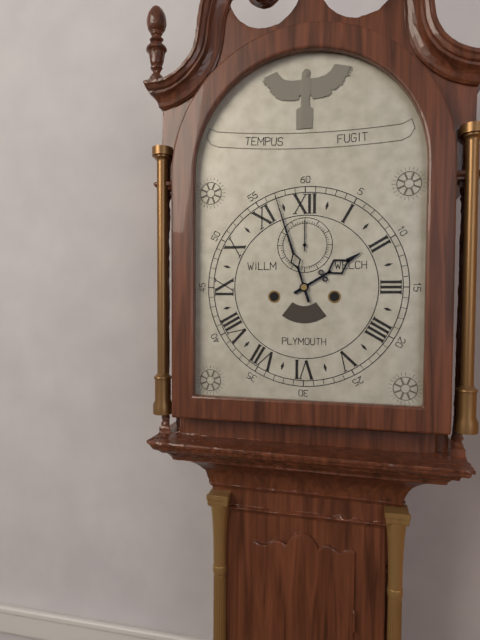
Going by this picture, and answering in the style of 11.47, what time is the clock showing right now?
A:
1.57
